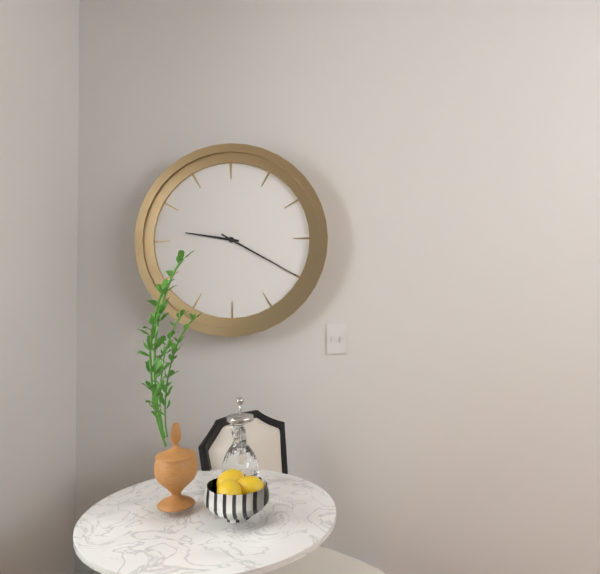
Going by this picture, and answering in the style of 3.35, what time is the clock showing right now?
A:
9.20
